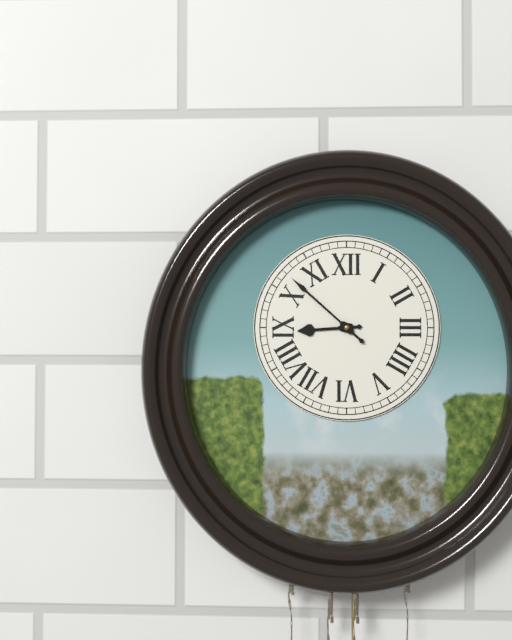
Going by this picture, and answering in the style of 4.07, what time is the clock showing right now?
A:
8.52
